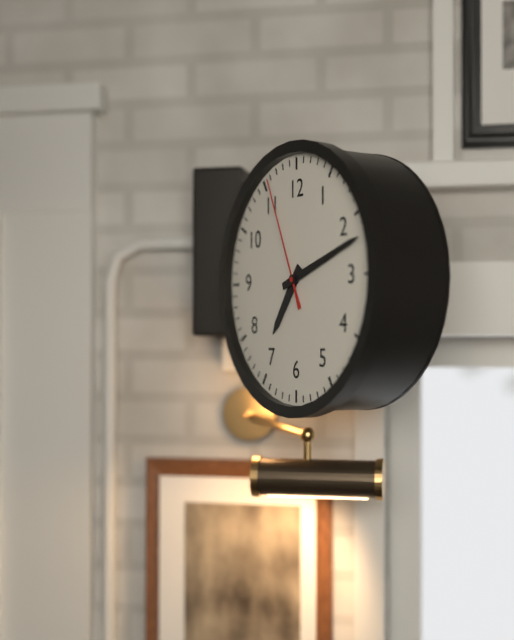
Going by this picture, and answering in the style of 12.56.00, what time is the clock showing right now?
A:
7.12.56
